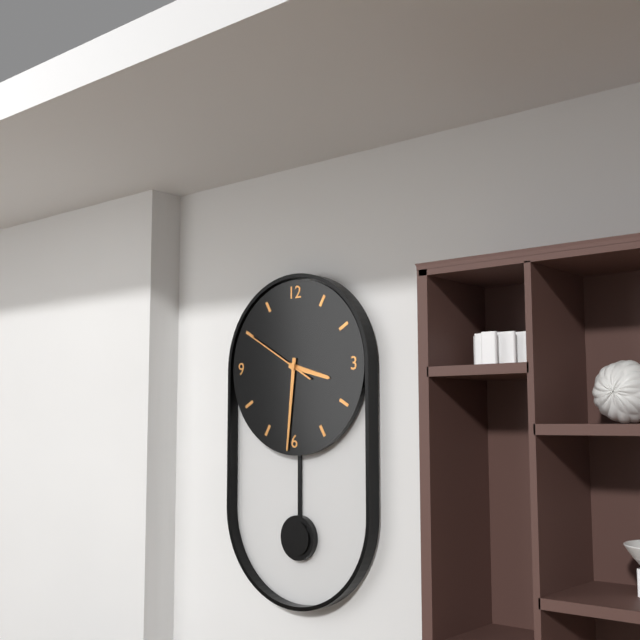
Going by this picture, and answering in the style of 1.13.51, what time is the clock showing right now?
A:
3.31.50
